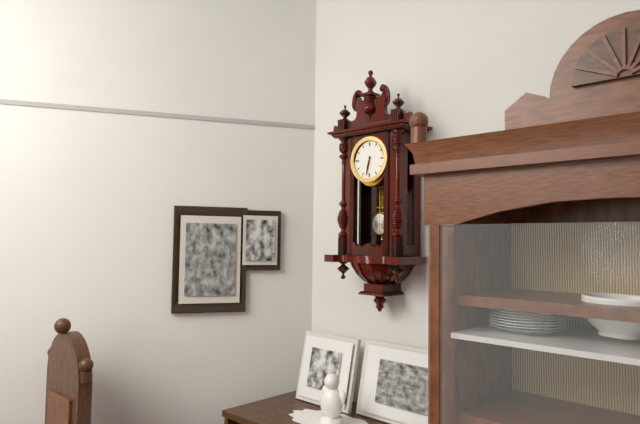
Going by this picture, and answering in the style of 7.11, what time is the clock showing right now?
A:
6.32
